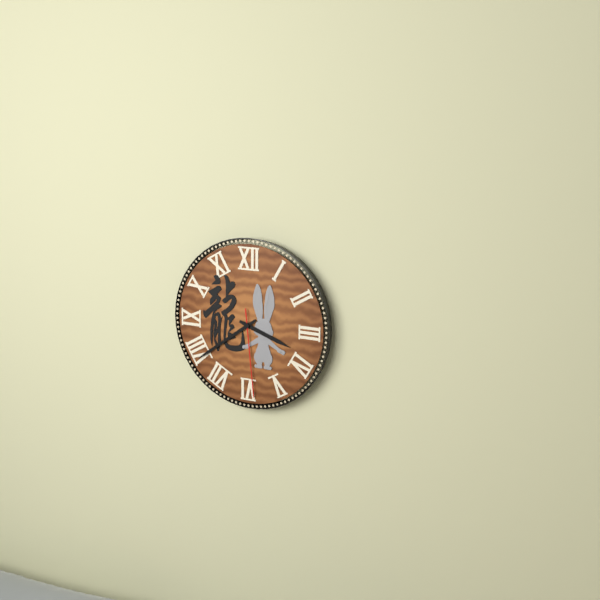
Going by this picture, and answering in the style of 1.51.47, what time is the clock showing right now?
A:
3.39.29
